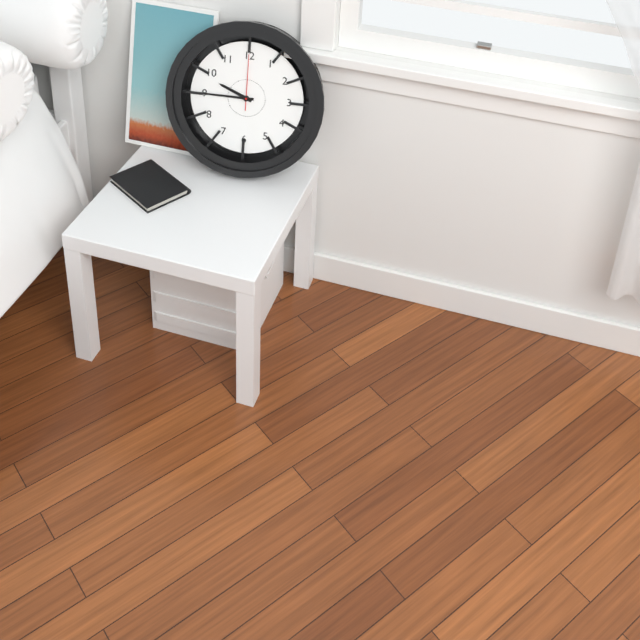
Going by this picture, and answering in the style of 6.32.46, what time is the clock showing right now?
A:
9.45.00
